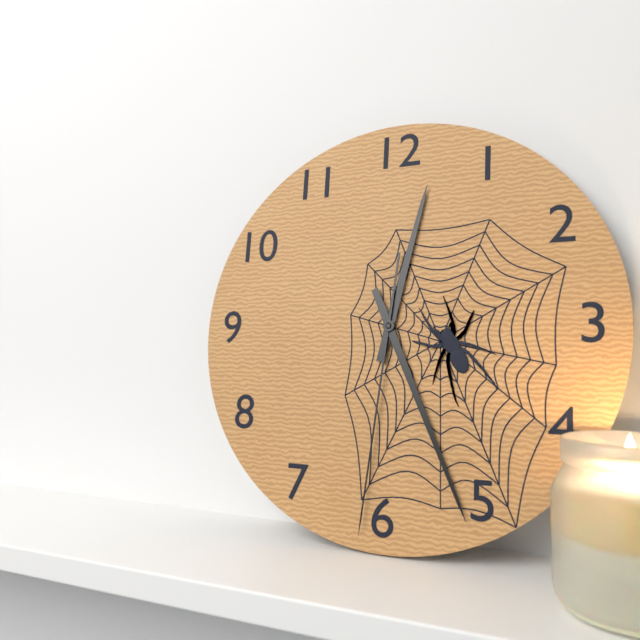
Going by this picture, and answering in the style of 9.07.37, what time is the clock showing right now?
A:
12.26.31
